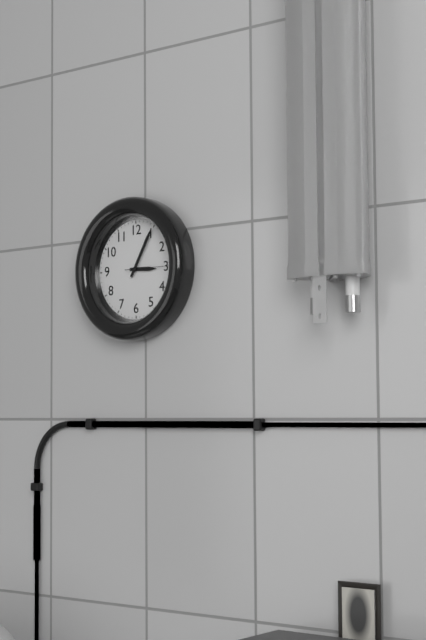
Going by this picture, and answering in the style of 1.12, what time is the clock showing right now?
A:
3.05
